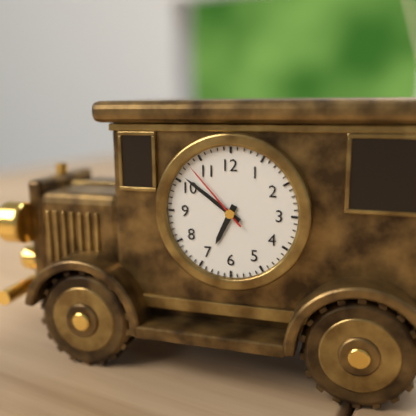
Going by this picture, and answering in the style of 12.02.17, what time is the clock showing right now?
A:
6.51.53
